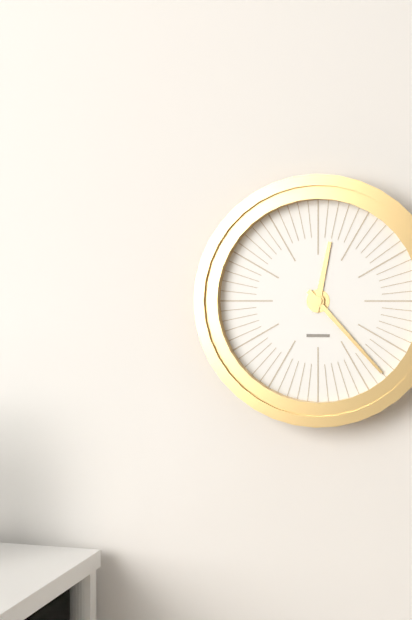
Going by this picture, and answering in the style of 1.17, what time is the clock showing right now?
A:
12.23
